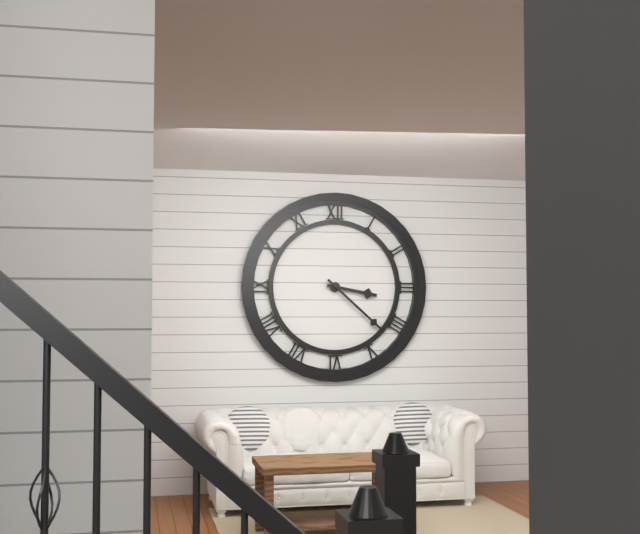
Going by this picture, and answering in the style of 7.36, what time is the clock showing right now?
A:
3.22
